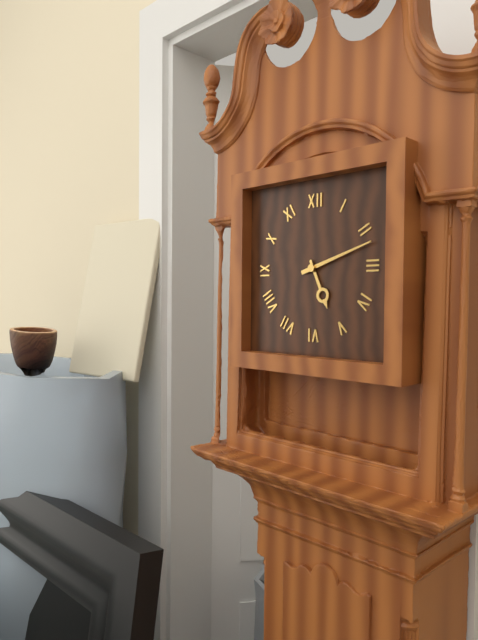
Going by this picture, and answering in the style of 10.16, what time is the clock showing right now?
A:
5.12
